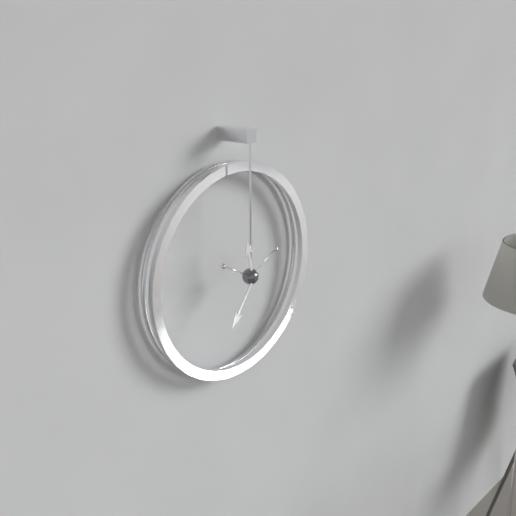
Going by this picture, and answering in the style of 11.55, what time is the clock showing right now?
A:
11.36
